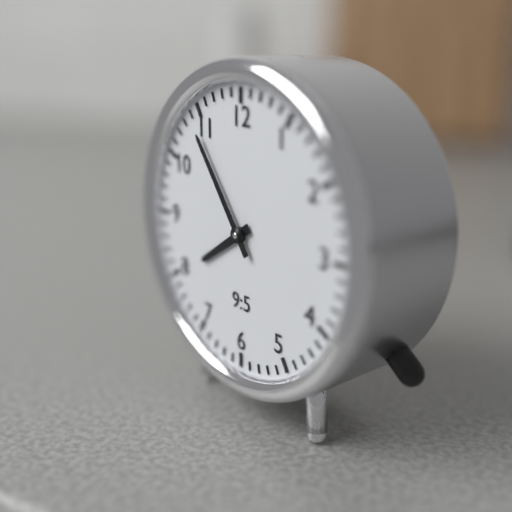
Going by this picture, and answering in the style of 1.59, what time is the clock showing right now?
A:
7.54
